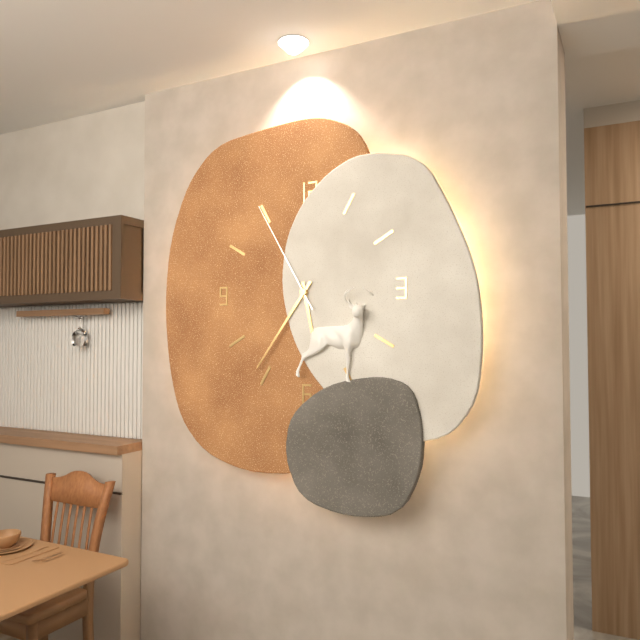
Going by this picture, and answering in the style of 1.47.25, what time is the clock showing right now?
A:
5.36.55
